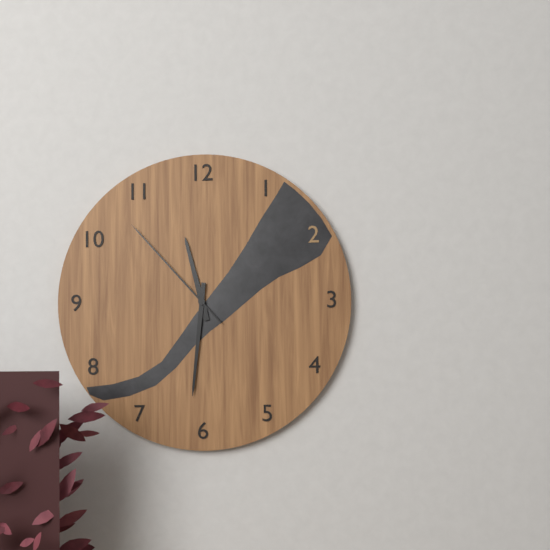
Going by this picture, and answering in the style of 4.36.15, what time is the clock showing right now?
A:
11.31.53
